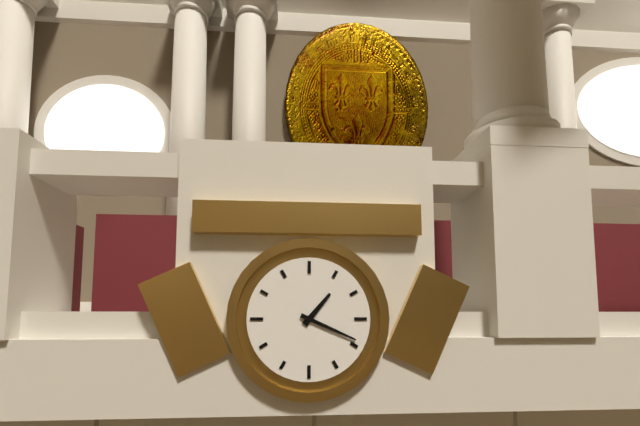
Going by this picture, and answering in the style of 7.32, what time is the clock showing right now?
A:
1.19
